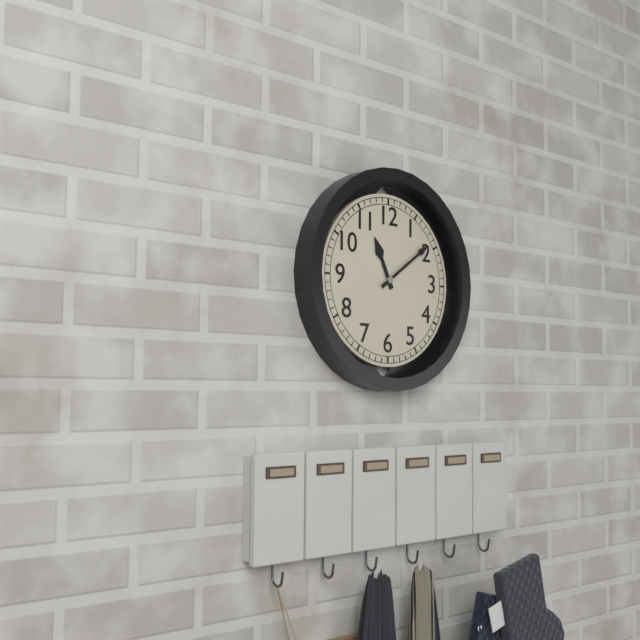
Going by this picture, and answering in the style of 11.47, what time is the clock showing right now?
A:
11.09
